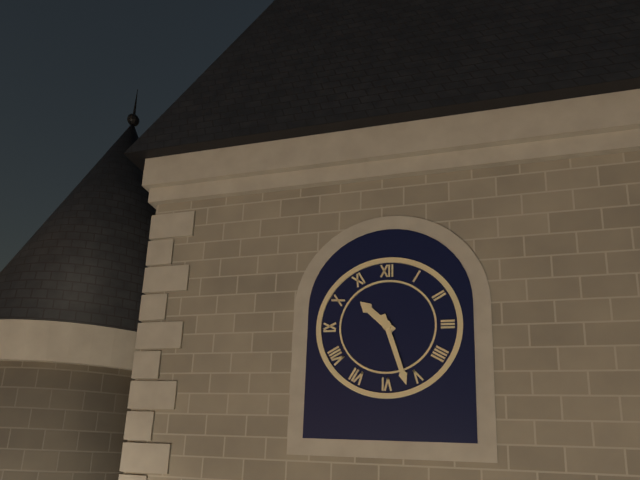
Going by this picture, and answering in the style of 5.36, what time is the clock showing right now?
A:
10.27
